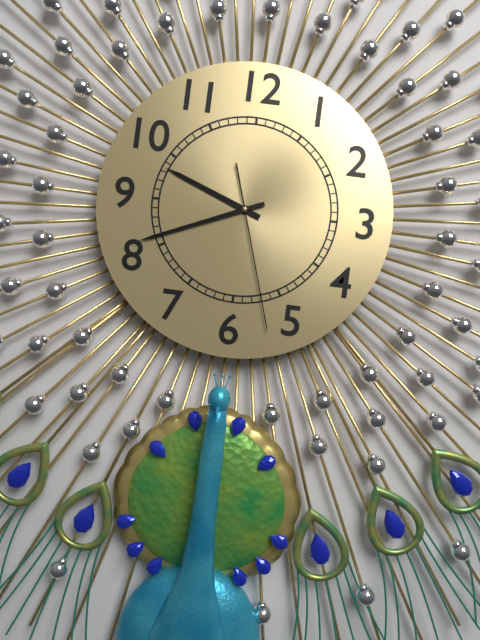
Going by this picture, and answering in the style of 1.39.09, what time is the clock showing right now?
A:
9.41.27
